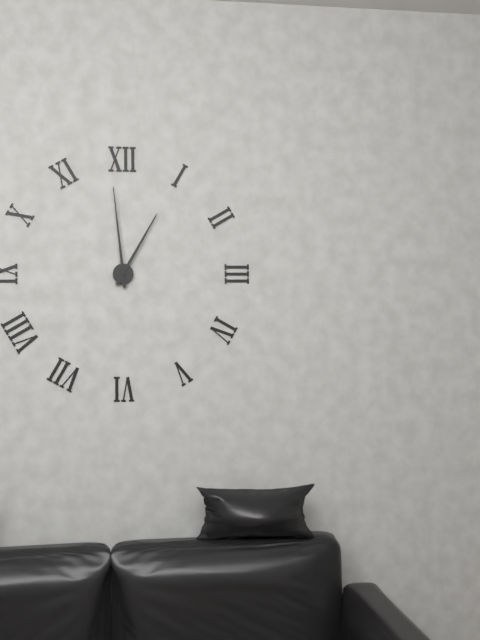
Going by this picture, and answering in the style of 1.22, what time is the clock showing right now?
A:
12.59
